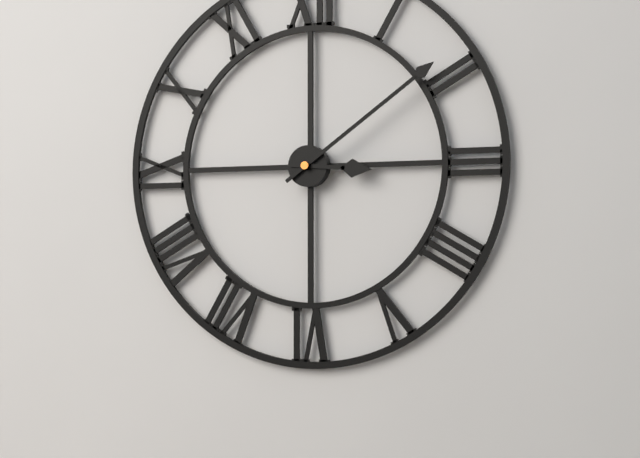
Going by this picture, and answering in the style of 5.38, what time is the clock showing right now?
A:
3.09
